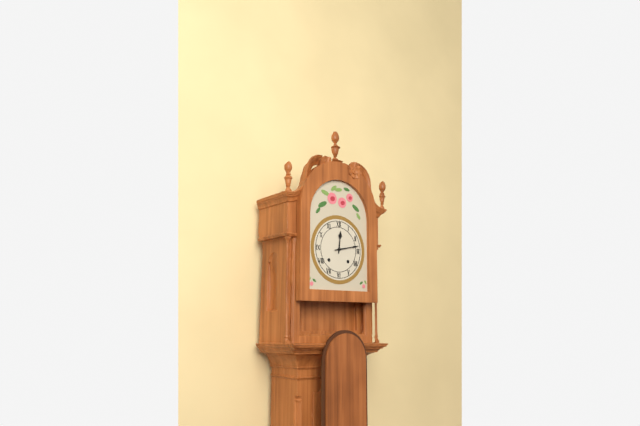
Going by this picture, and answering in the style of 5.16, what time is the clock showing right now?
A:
12.13
